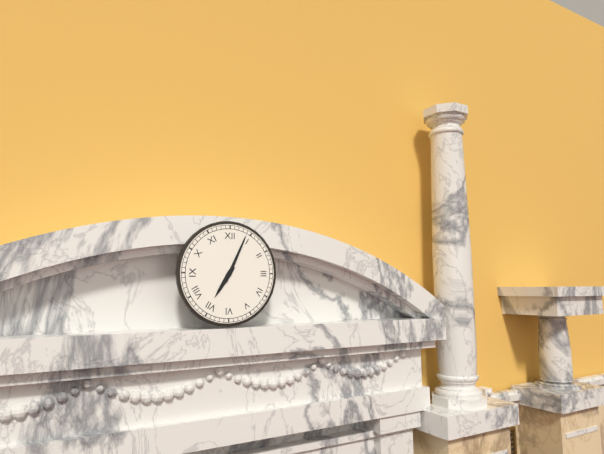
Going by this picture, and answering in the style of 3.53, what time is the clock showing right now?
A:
7.04
